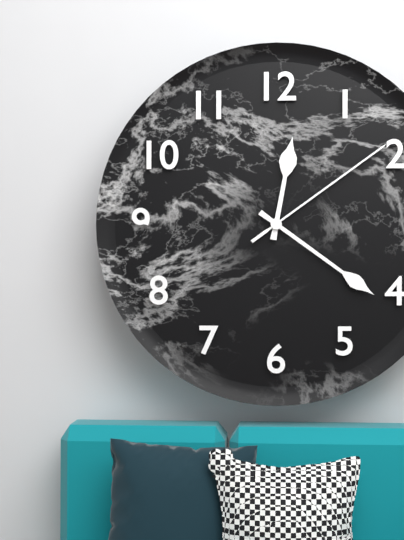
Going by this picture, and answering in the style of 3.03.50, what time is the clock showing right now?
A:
12.21.09
